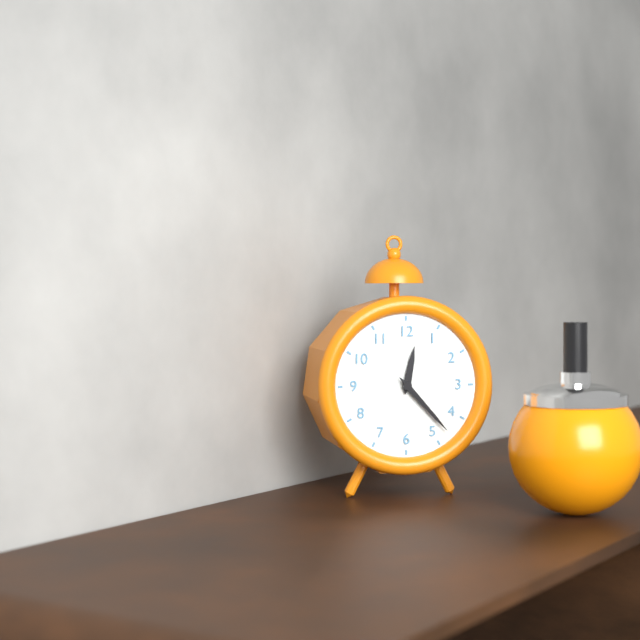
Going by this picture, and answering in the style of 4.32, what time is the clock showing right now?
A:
12.23
